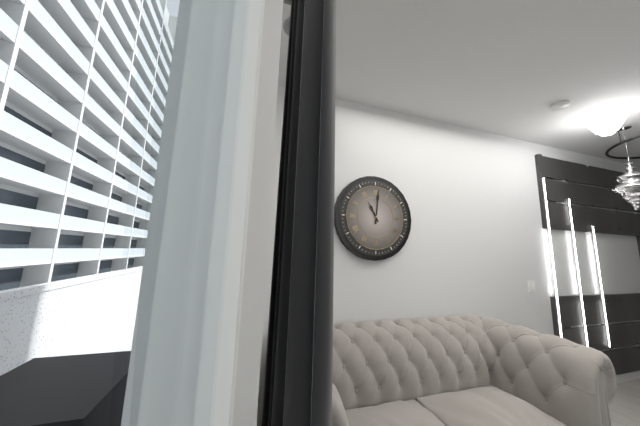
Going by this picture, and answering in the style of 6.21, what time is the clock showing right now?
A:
11.01
